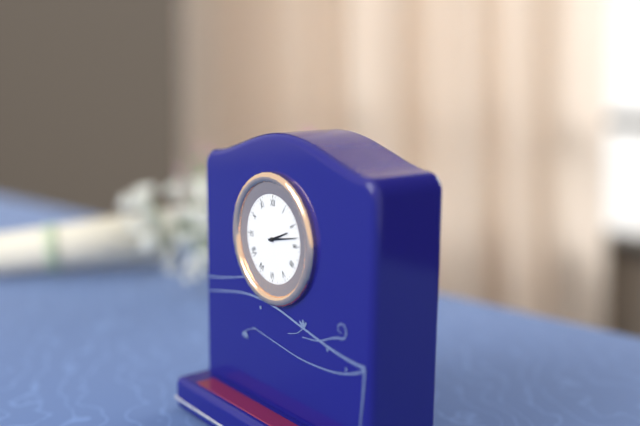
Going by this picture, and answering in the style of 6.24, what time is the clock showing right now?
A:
2.13
